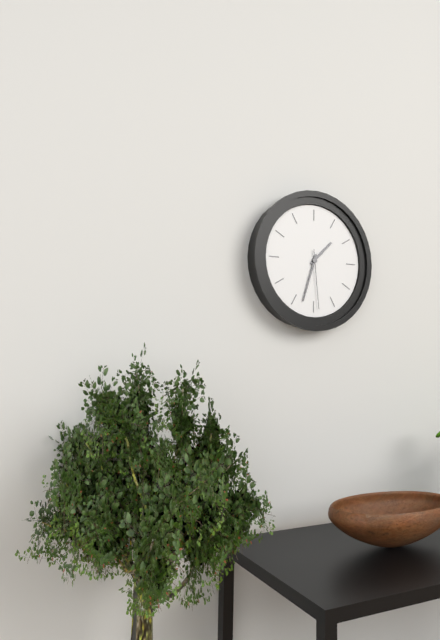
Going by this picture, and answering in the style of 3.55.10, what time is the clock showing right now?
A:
1.33.29
